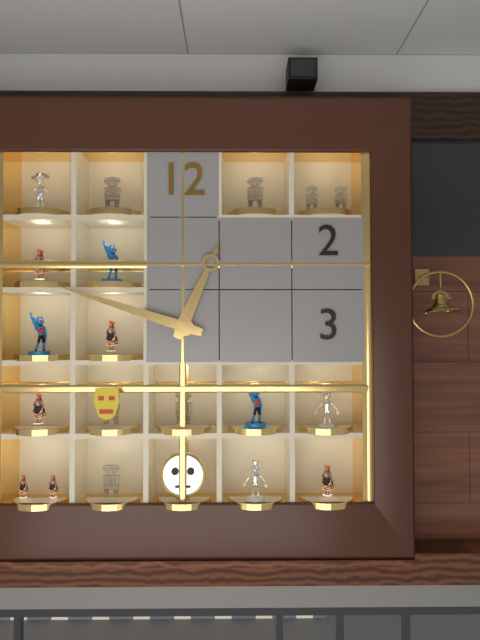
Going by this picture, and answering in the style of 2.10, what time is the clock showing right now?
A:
12.48
